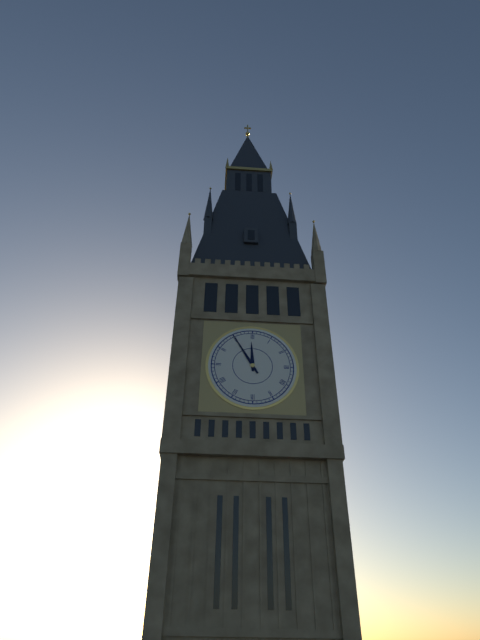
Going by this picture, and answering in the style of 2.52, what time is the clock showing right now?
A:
11.55
